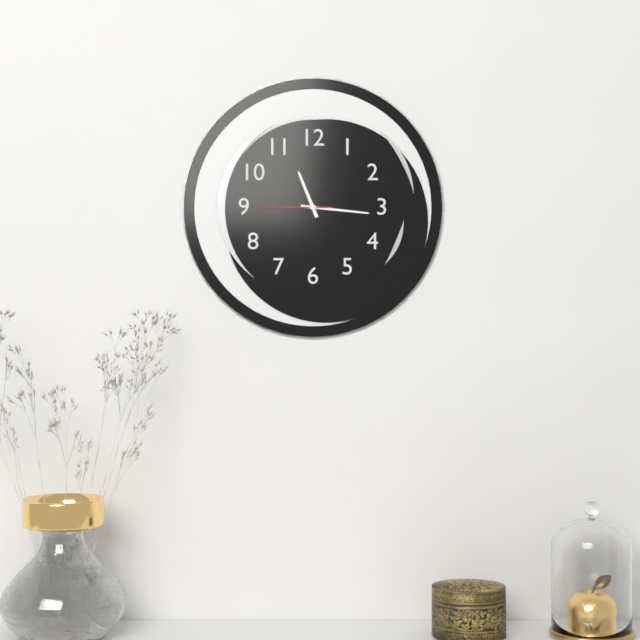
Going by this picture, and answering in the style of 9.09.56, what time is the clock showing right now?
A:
11.16.45
